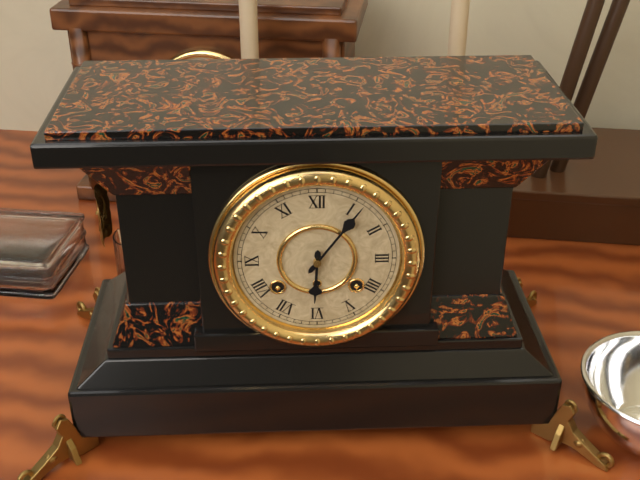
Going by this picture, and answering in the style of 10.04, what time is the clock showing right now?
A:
6.06
